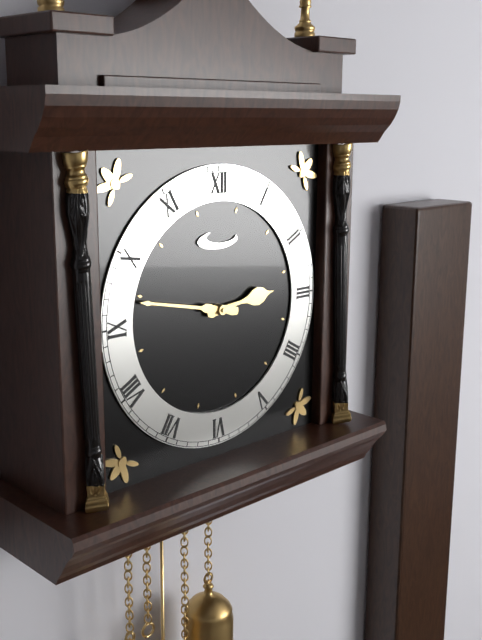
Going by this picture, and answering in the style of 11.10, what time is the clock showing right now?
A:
2.47
